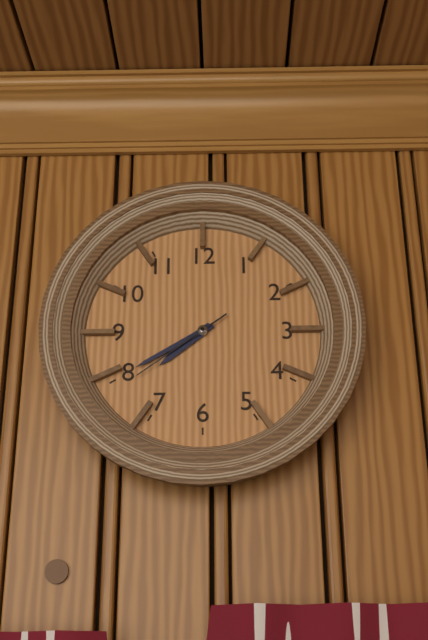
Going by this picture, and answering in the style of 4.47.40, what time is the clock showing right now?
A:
7.40.39
